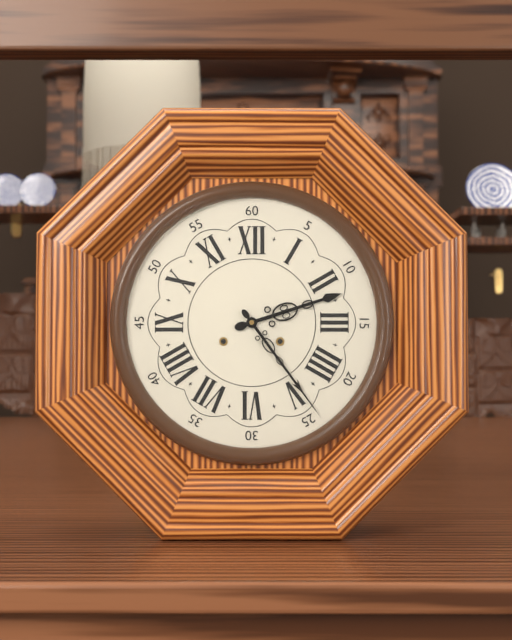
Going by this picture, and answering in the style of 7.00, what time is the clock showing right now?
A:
2.24
